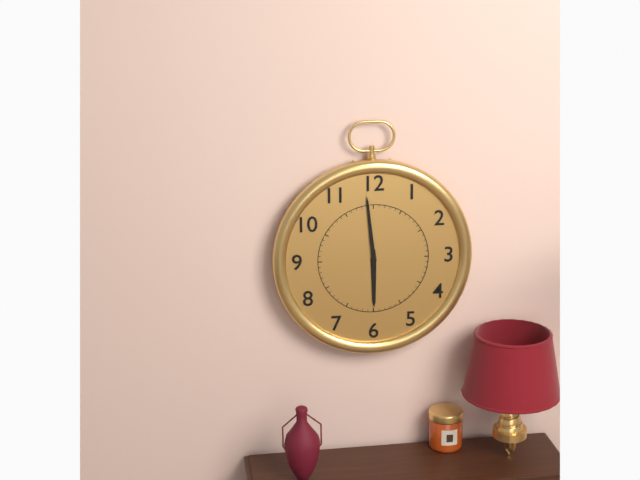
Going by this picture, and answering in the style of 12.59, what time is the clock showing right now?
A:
5.59
